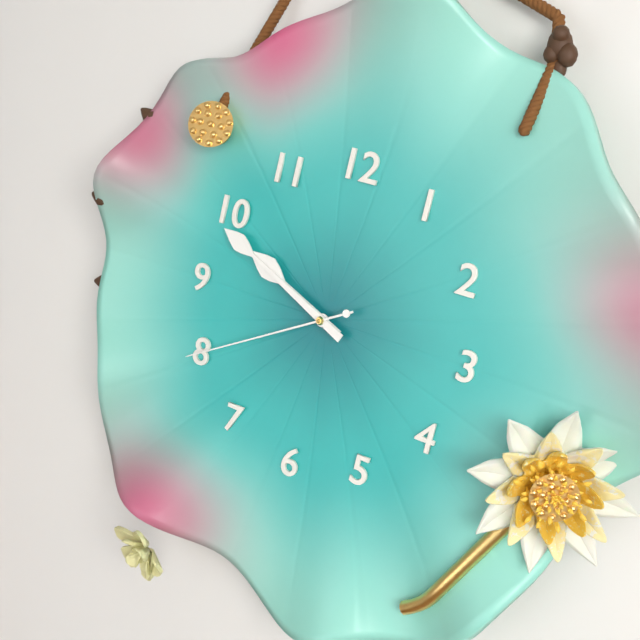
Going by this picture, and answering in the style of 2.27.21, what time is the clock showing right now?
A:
9.49.40
